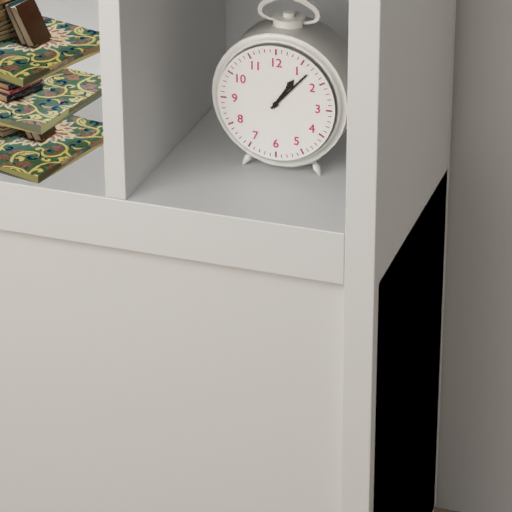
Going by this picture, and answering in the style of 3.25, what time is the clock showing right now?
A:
1.07
